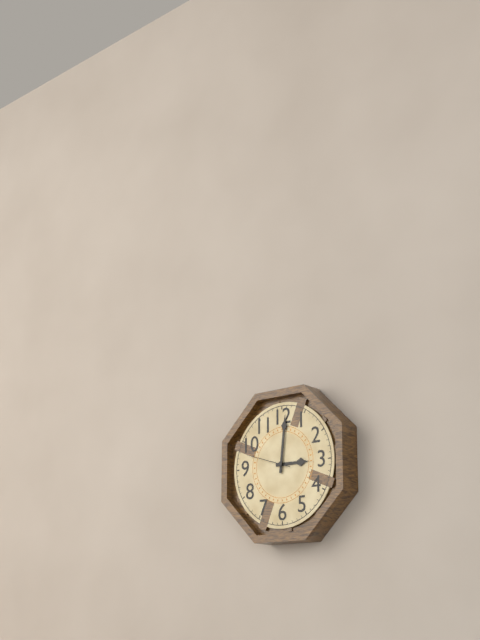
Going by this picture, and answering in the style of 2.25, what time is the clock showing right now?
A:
3.01
